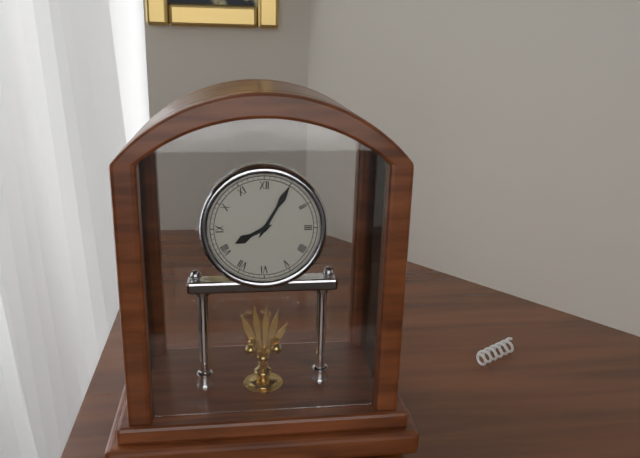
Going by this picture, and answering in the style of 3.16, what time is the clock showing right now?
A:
8.05
